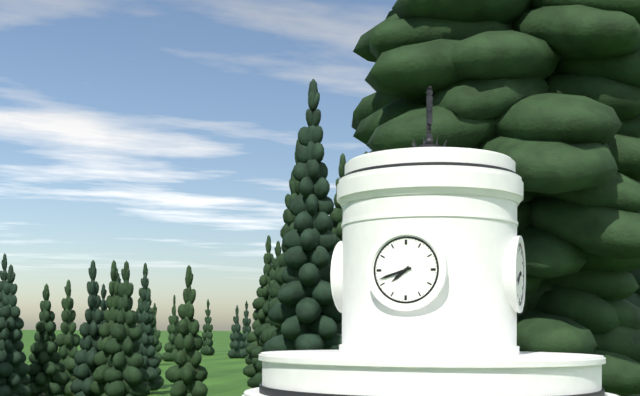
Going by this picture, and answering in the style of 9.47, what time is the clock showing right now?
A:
7.42
